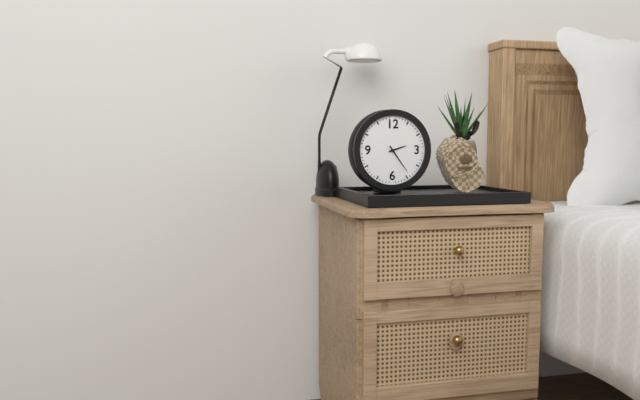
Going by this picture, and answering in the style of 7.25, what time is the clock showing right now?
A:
2.24
